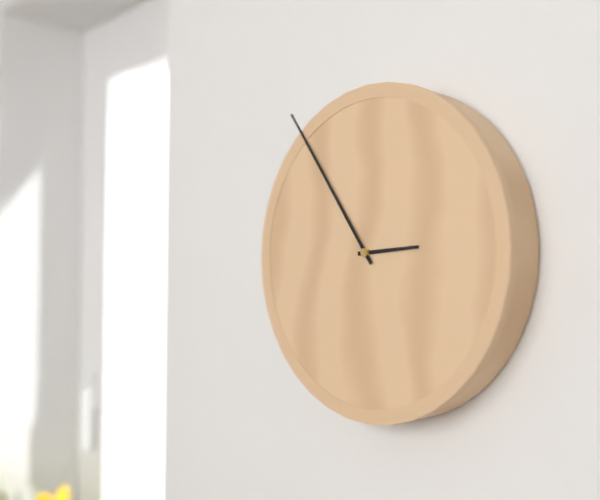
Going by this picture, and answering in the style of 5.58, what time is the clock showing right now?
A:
2.54
